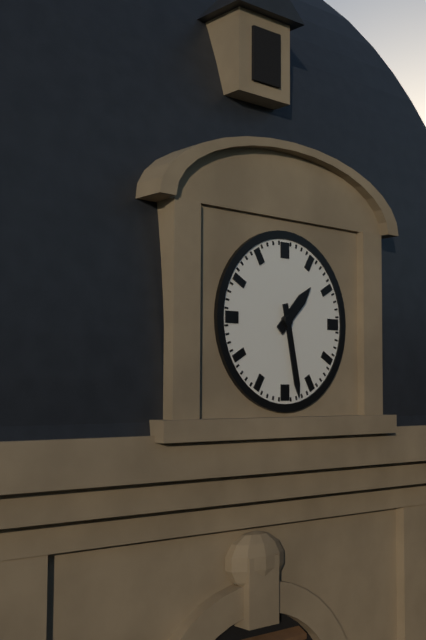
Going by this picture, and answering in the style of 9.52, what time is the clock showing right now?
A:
1.28
